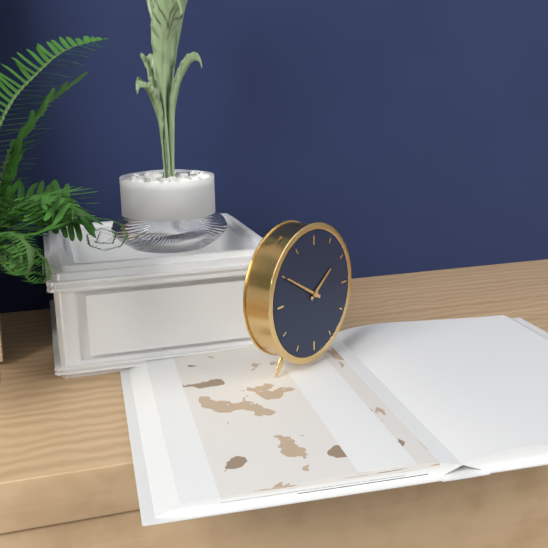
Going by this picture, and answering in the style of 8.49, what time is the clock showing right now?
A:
1.50
